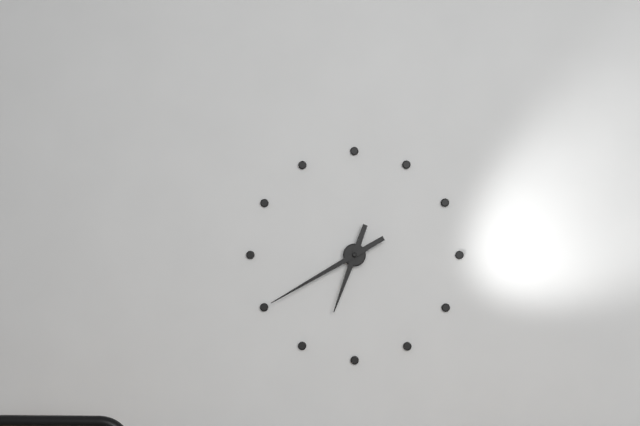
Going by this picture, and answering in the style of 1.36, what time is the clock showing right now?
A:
6.40
